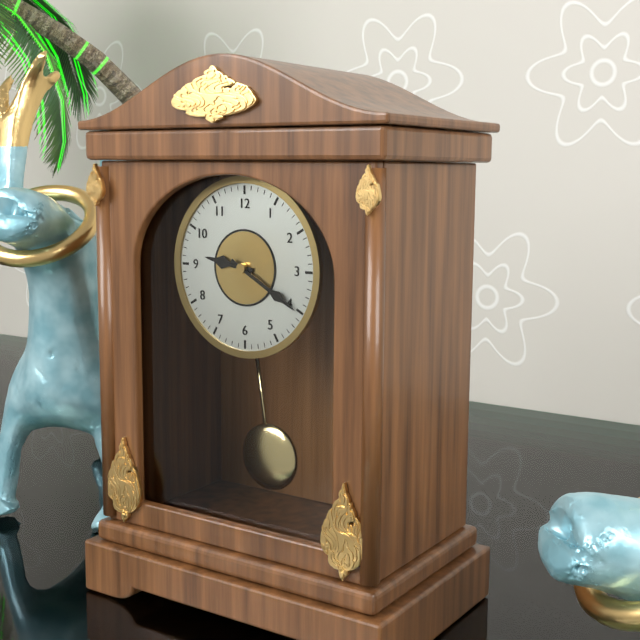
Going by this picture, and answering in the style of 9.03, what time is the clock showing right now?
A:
9.20
